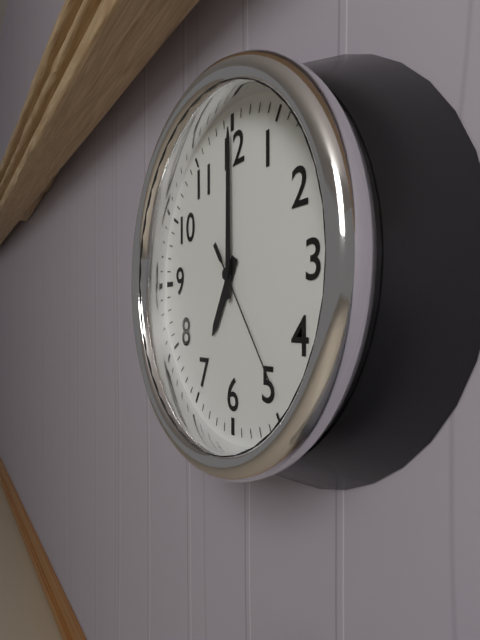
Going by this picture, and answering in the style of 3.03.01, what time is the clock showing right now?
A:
7.00.24
